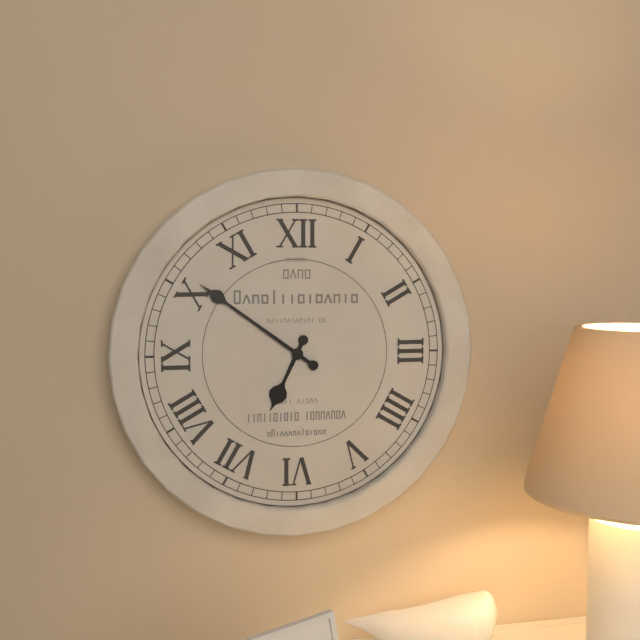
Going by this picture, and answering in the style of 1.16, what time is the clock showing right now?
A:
6.51
